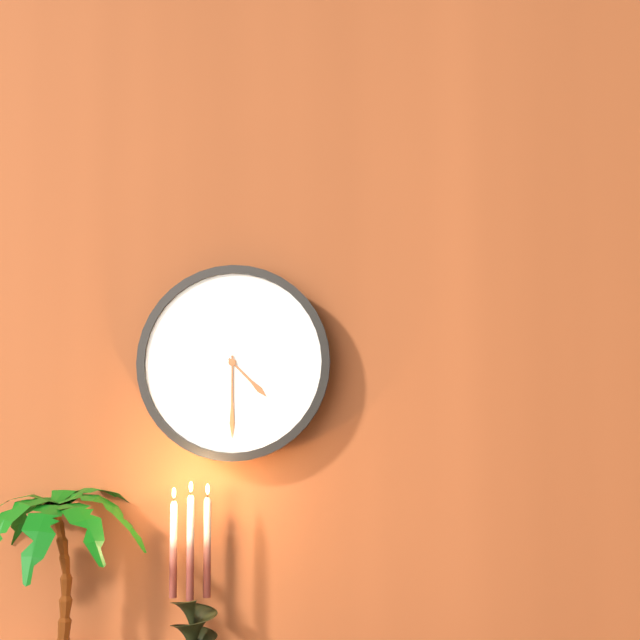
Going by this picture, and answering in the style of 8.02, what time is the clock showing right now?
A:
4.30
